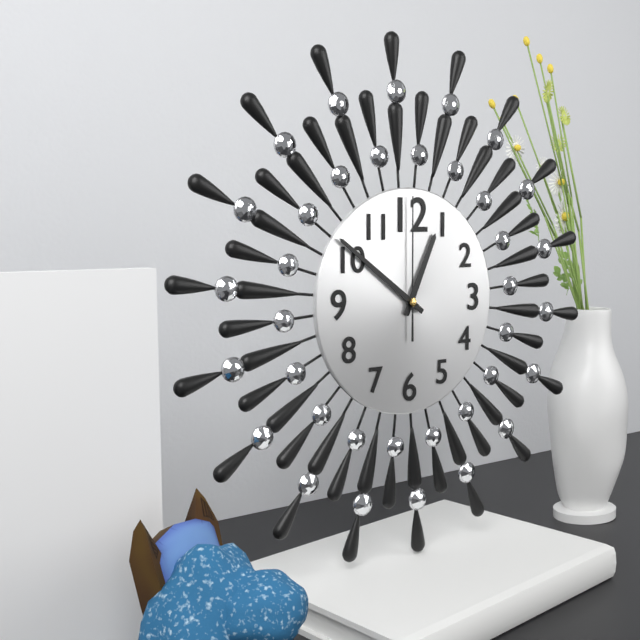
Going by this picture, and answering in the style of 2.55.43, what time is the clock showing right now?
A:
12.51.00
